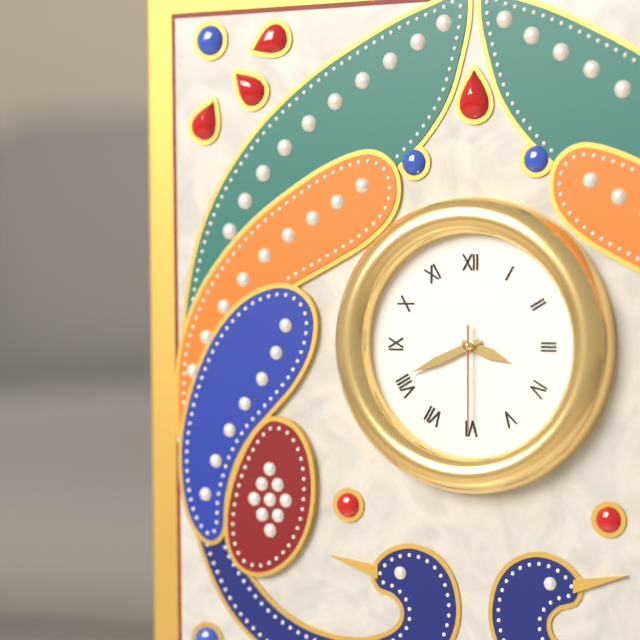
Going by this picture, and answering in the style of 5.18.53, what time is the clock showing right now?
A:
3.41.30
